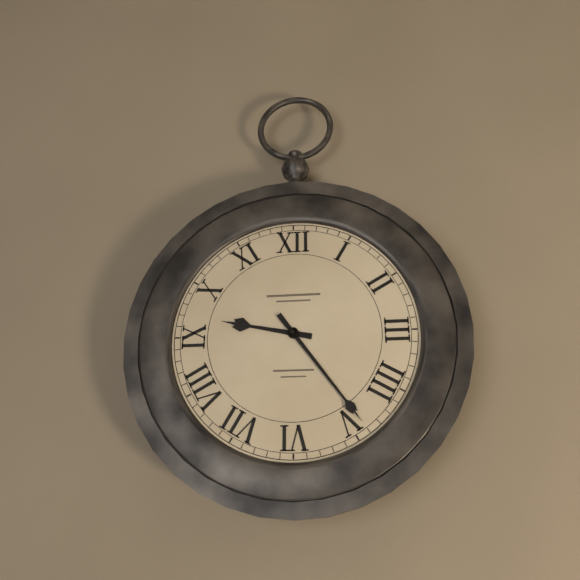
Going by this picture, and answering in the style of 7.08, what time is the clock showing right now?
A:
9.24
